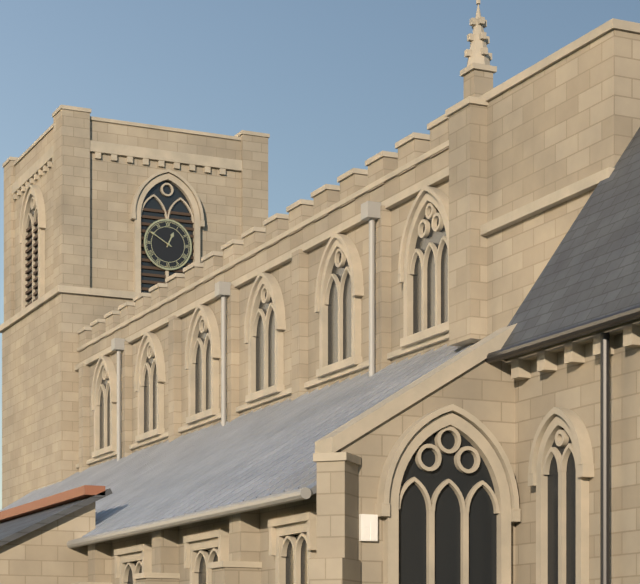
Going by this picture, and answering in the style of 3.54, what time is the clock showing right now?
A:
12.50
